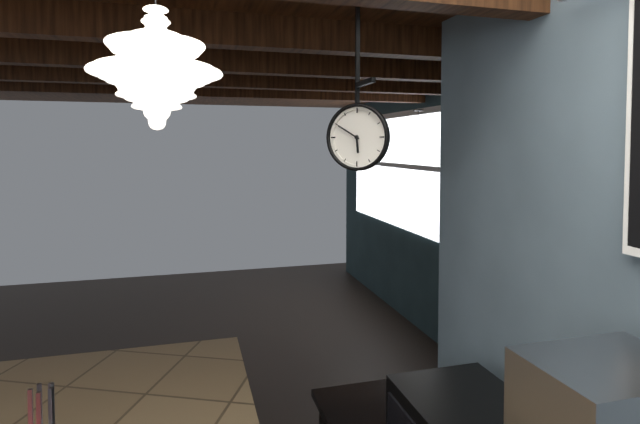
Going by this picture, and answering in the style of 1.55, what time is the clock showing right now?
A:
5.50
